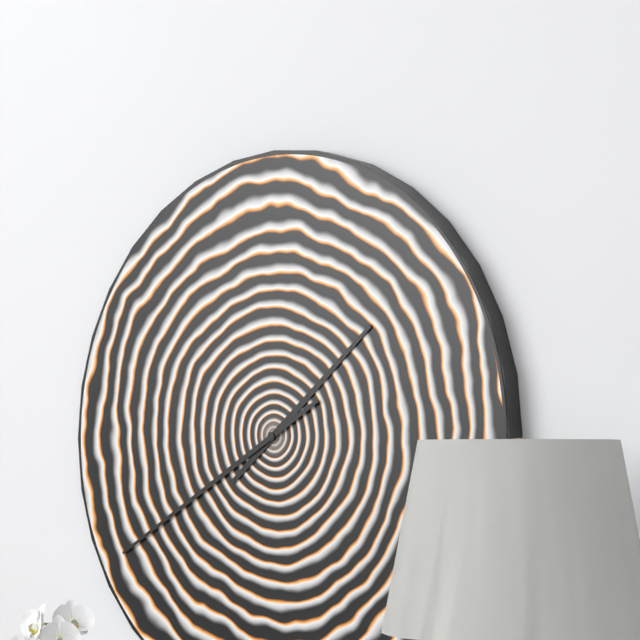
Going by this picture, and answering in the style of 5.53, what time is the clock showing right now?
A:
1.40
